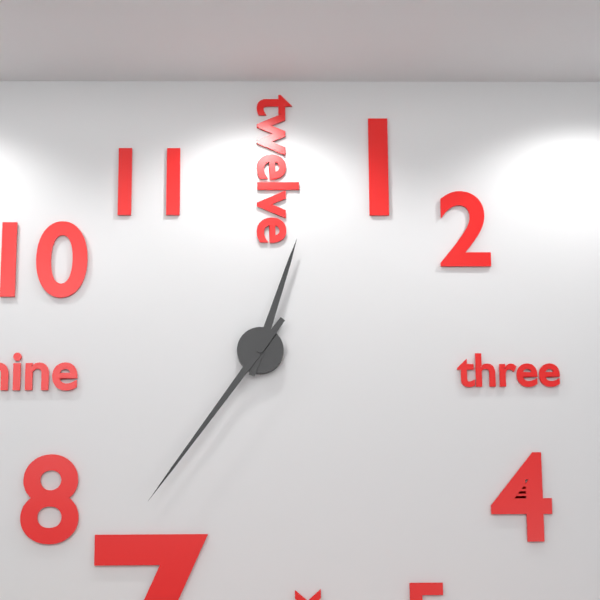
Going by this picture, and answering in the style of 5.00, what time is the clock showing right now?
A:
12.36
